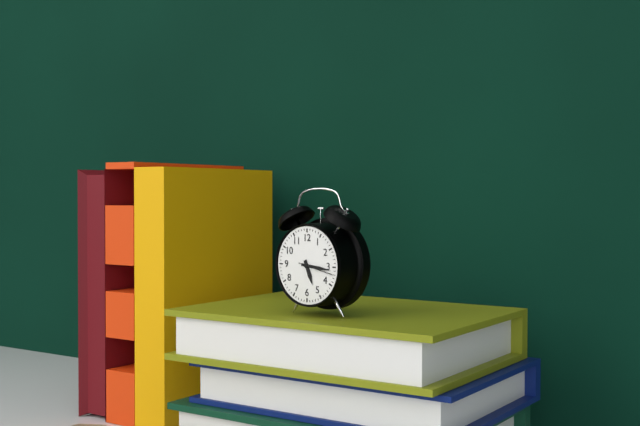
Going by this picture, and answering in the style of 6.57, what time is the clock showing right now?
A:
5.16
